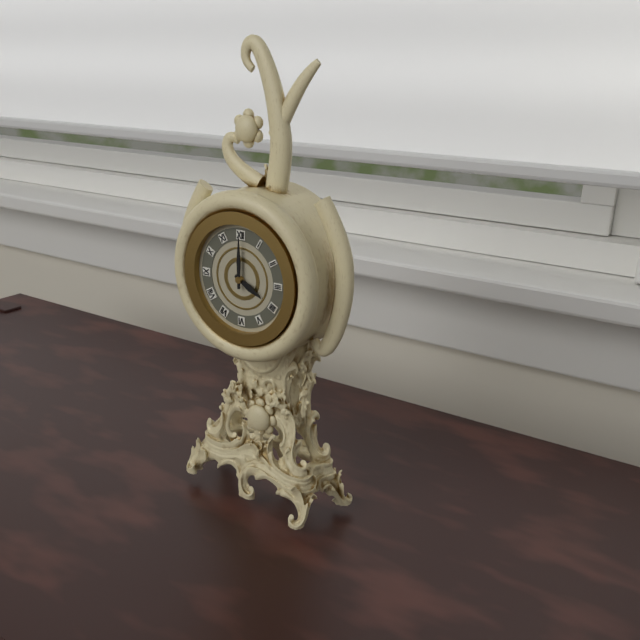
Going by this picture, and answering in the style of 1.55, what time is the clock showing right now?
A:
4.00
